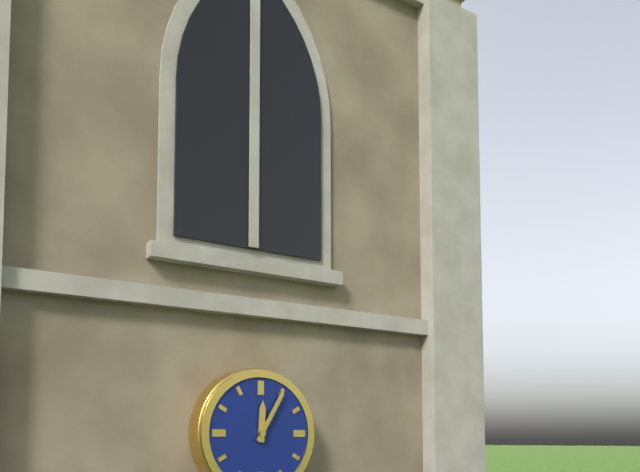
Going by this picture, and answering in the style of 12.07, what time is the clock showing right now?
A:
12.05
